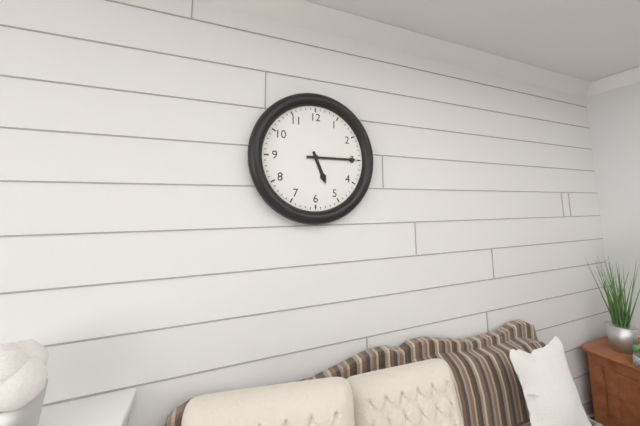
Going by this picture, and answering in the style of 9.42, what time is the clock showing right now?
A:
5.15
